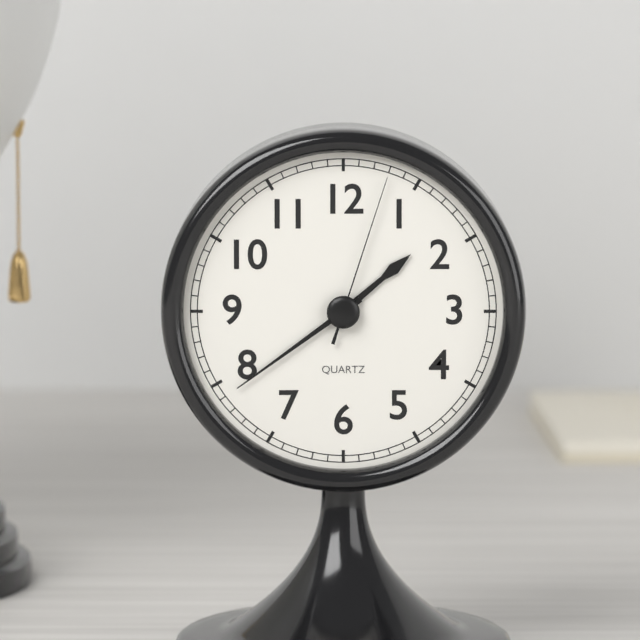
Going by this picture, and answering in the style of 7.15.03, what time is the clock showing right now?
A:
1.39.03
